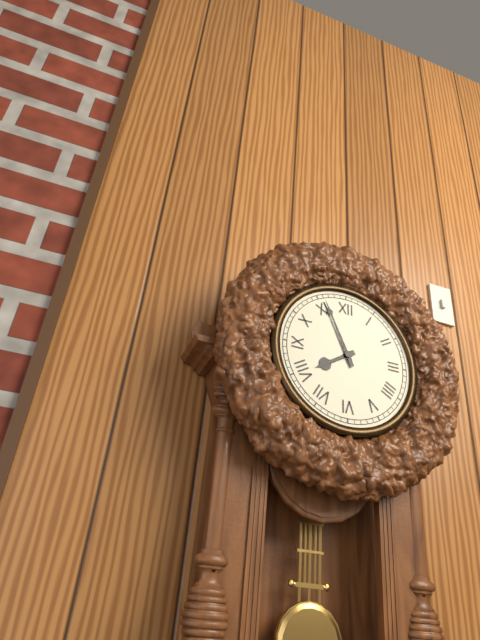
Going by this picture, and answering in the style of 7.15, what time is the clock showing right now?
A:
7.56
